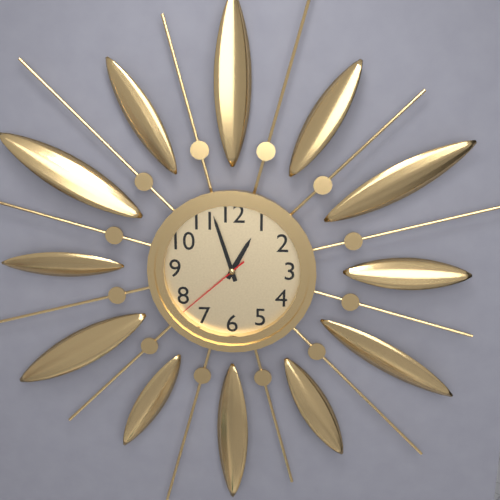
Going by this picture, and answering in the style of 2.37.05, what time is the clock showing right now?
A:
12.57.38
